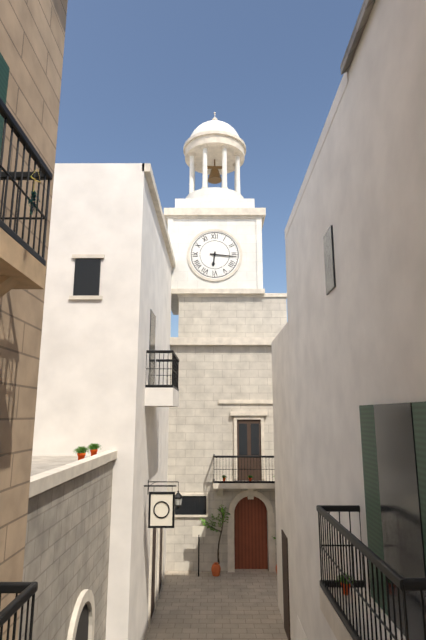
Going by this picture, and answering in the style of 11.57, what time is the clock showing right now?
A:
6.16
